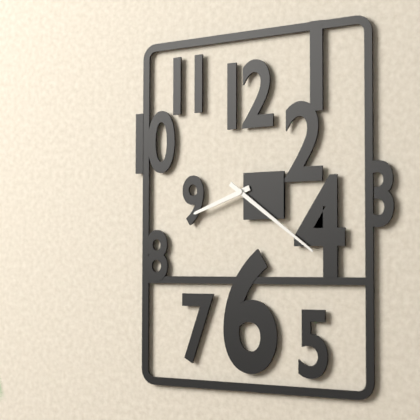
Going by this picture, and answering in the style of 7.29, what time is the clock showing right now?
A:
8.21
